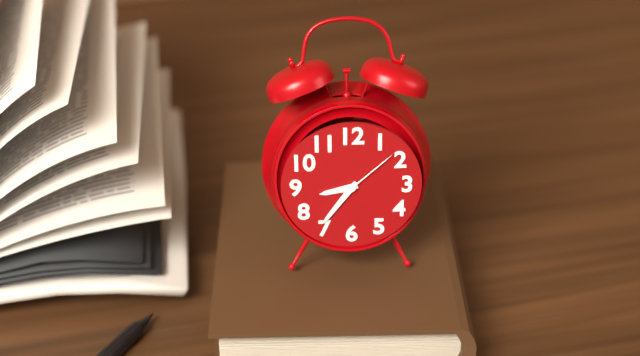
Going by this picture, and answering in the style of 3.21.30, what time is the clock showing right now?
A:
8.36.08
